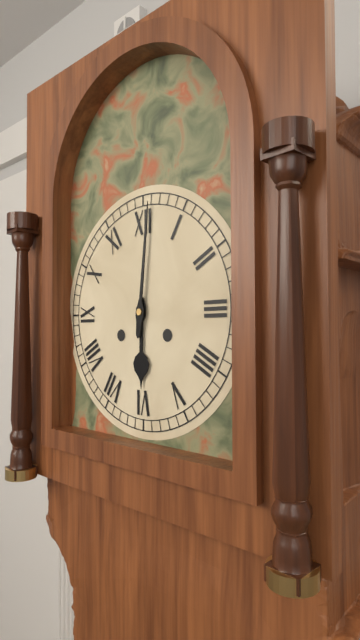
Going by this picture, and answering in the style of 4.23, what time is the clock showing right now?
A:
6.01
